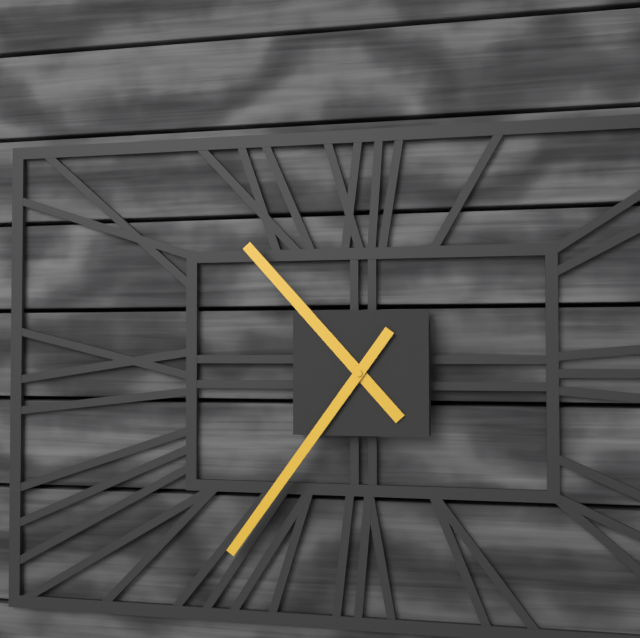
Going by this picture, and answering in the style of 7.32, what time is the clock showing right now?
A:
10.36
